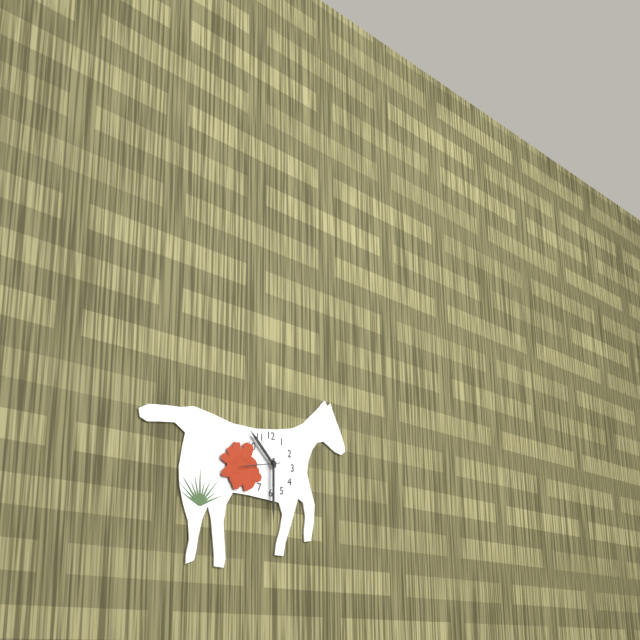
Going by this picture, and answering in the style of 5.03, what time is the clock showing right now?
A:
10.30
